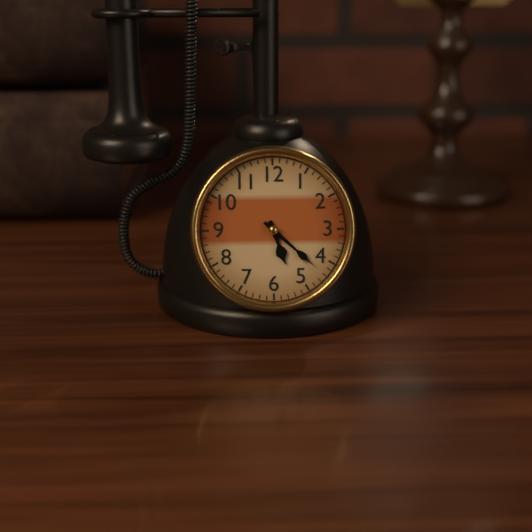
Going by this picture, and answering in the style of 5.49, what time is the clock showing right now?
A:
5.22
